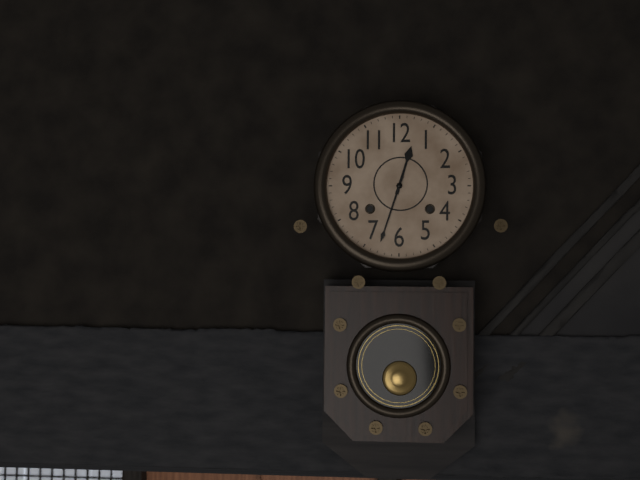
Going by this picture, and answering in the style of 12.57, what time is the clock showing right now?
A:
12.33
